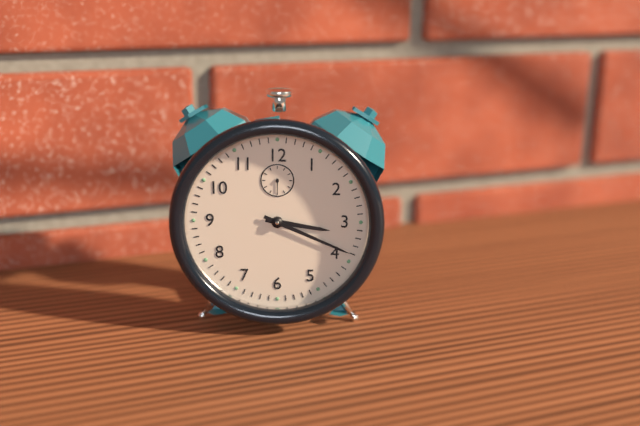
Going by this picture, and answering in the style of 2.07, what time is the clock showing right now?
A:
3.19
